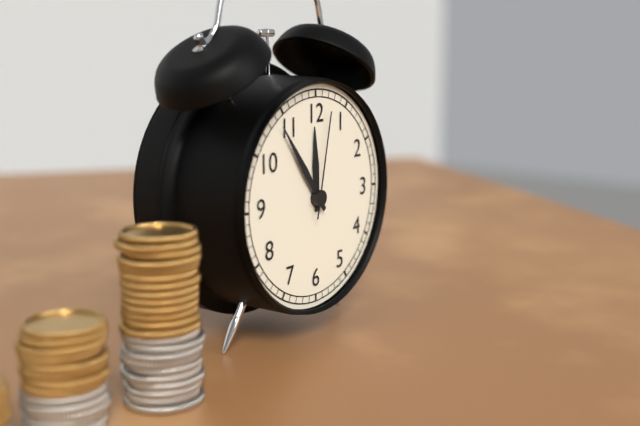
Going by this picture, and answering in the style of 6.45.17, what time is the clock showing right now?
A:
11.54.02
